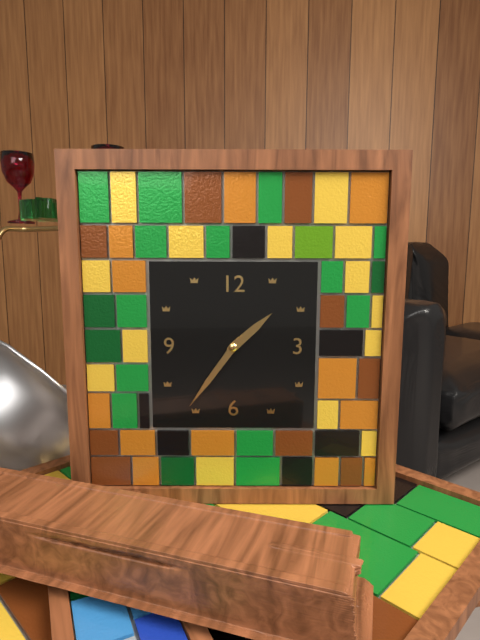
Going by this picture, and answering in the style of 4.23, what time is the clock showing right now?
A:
1.36
